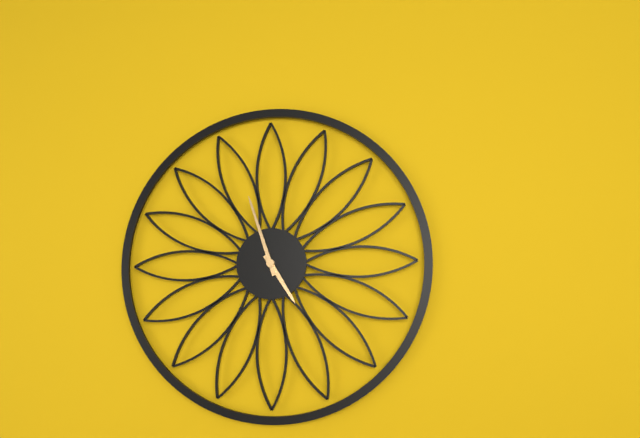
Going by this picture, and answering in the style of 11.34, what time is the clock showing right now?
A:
4.57
